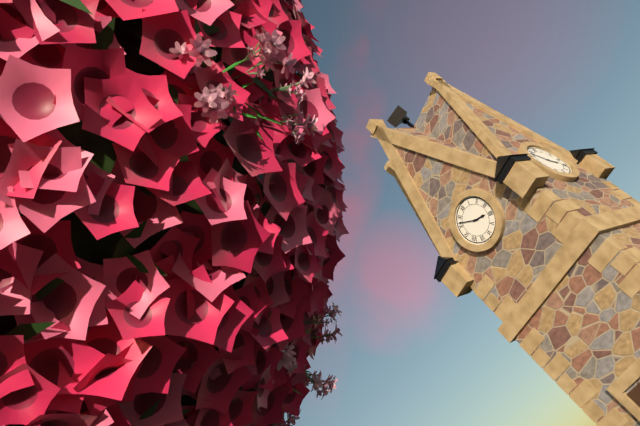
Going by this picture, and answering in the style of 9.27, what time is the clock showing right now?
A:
3.52
